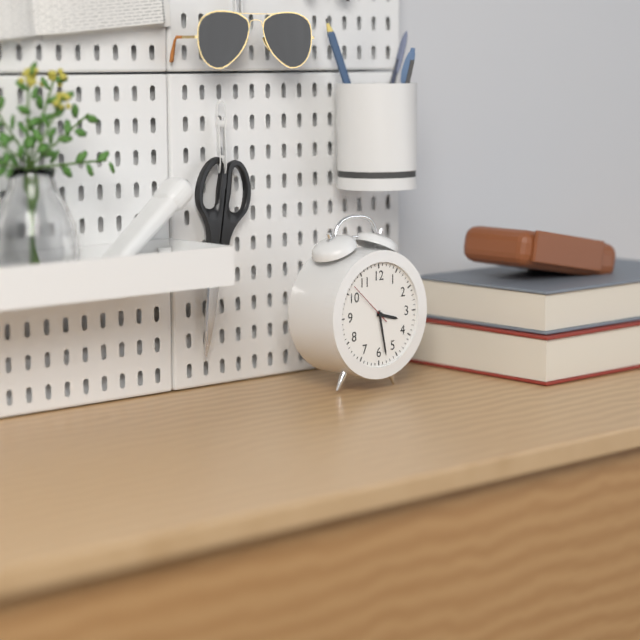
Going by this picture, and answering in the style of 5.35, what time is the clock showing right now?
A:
3.28
